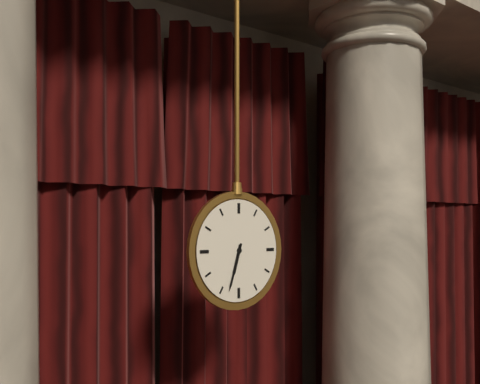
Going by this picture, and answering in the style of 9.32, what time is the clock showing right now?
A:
6.33
